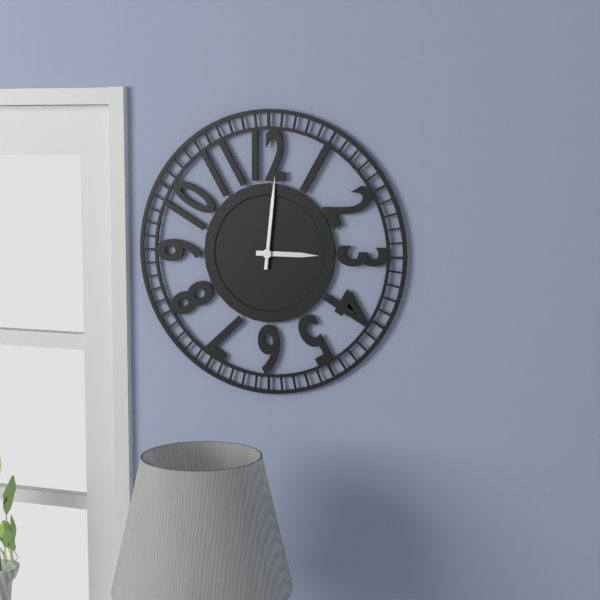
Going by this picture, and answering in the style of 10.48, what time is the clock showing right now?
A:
3.01
